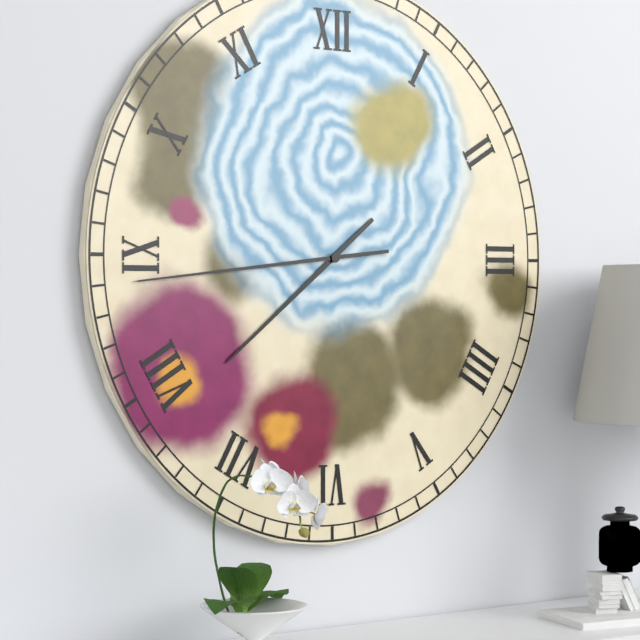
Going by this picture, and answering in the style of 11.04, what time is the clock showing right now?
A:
7.44
